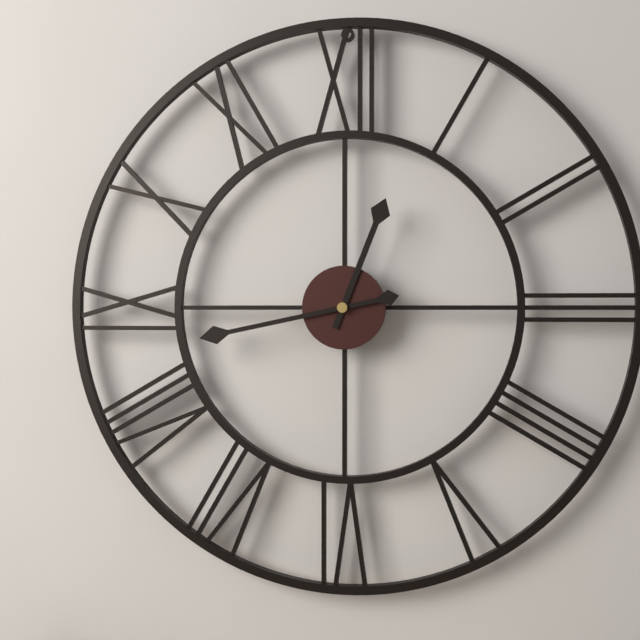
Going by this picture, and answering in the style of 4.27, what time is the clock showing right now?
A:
12.43
